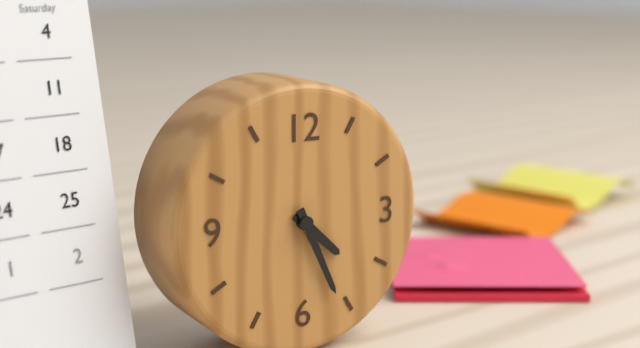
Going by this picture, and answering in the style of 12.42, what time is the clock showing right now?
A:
4.26
